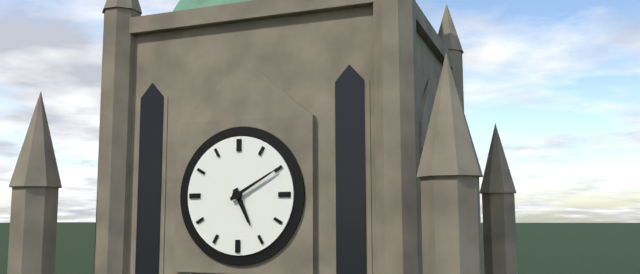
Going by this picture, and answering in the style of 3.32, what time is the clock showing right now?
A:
5.10
